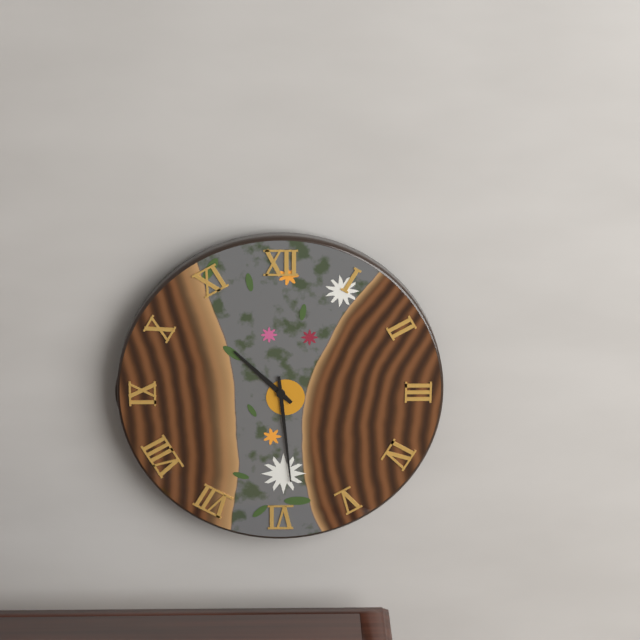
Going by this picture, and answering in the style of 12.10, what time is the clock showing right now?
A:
10.29
